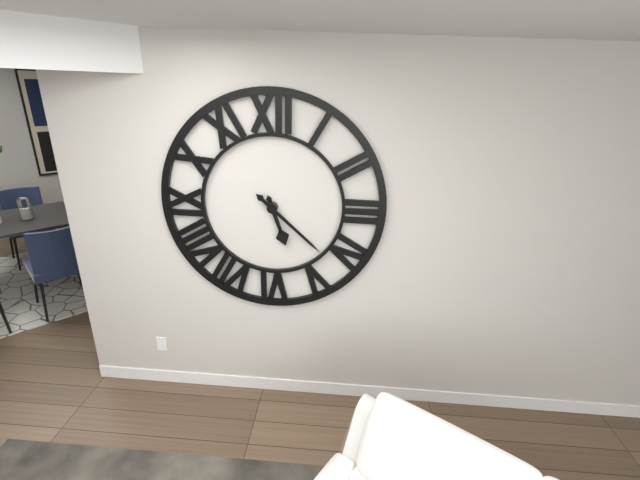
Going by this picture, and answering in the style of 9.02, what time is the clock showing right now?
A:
5.22
